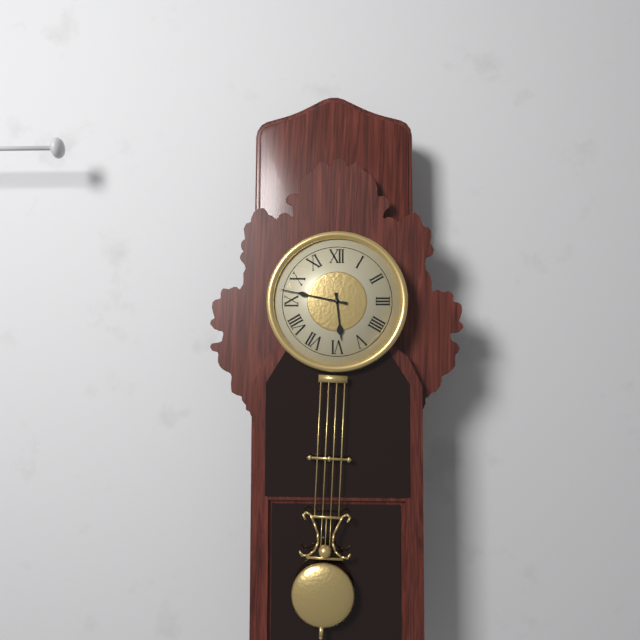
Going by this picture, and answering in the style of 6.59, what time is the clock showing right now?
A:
5.47
